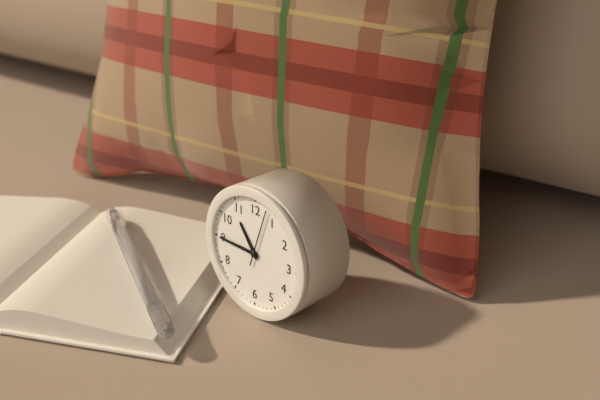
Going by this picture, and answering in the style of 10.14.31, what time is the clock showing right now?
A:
10.45.03
